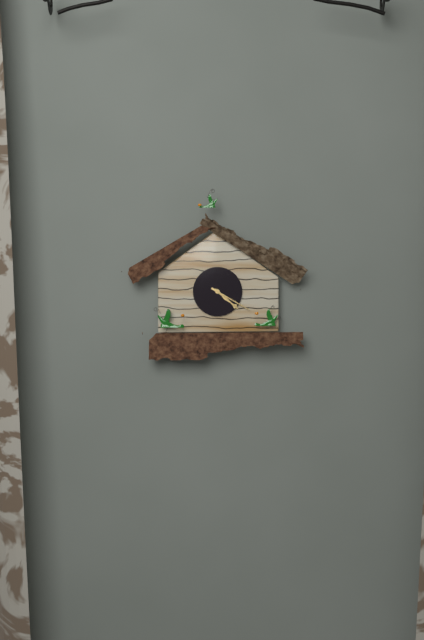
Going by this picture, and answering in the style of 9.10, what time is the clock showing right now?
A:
4.20
